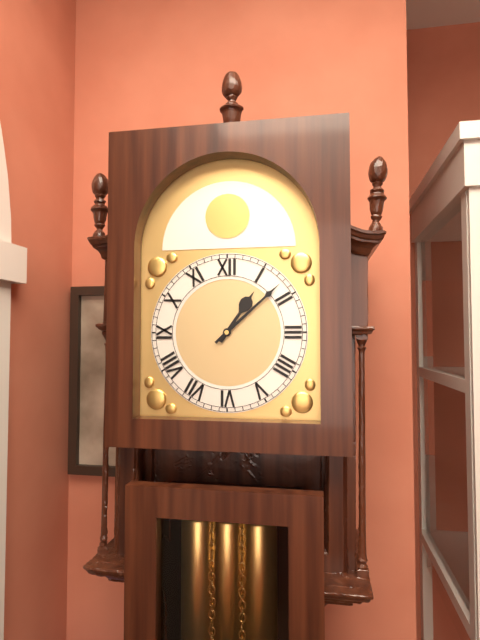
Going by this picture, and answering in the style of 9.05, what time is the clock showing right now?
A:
1.08
